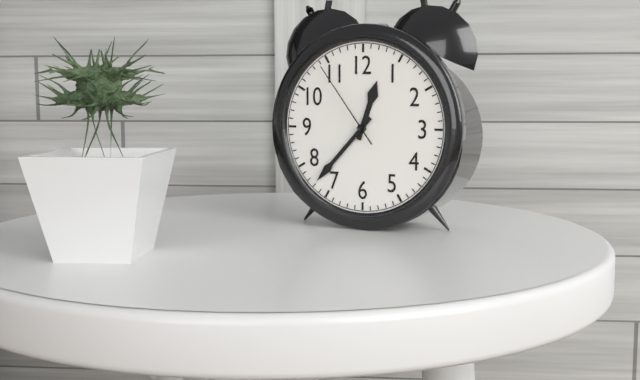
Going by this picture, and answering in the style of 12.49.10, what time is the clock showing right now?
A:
12.37.54
